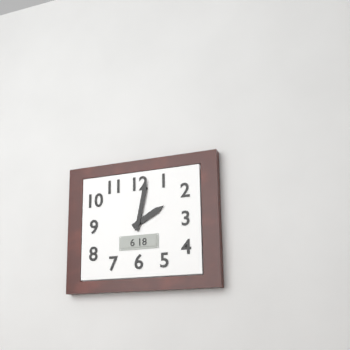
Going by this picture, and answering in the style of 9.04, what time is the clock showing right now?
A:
2.02
